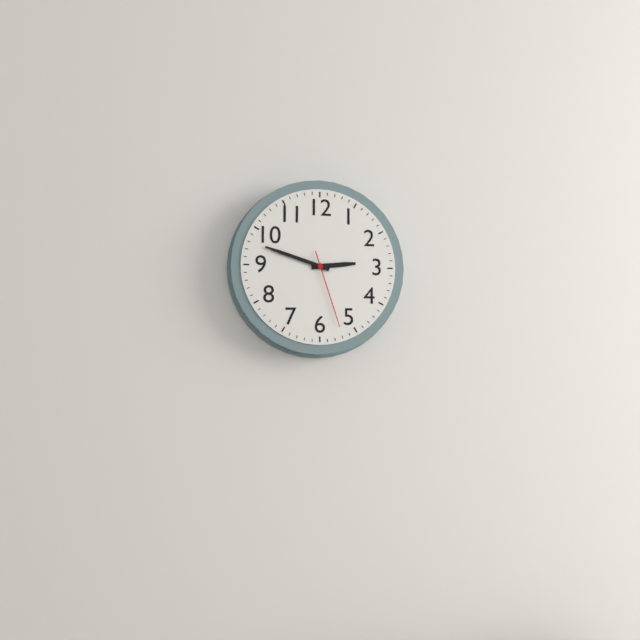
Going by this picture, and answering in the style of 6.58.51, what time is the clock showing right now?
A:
2.48.27
